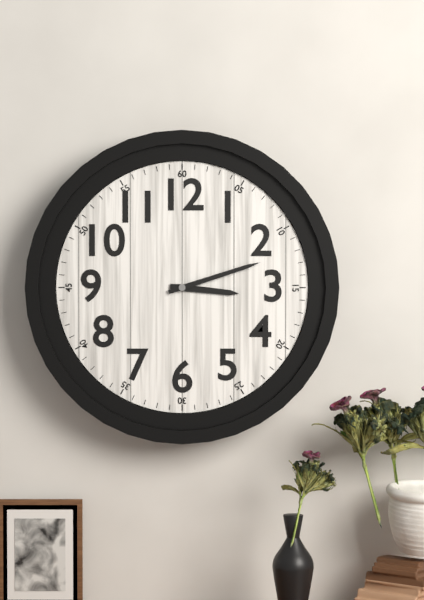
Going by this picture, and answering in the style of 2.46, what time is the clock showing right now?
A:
3.12
